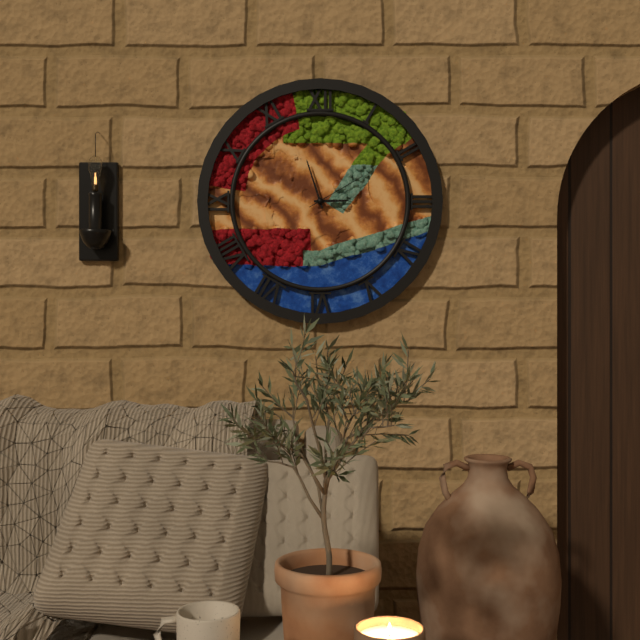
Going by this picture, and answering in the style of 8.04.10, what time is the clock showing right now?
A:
2.57.10
